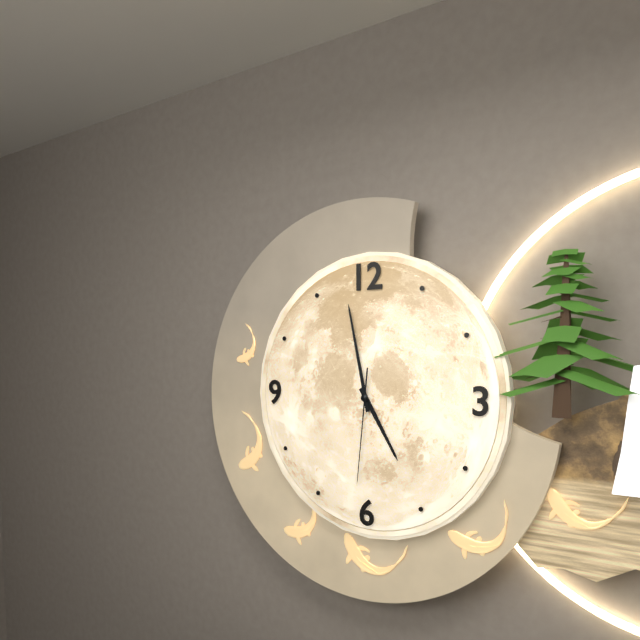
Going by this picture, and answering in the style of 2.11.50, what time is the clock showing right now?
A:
4.58.31
